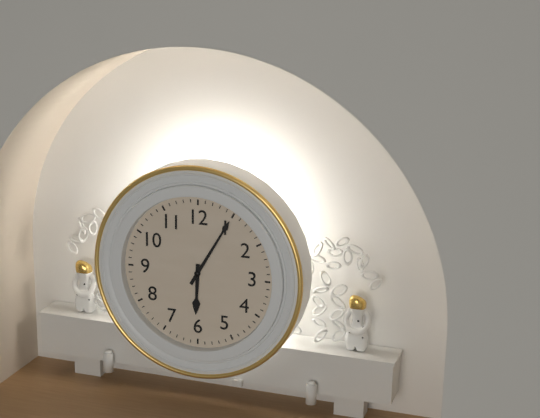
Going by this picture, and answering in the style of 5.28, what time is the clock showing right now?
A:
6.05
